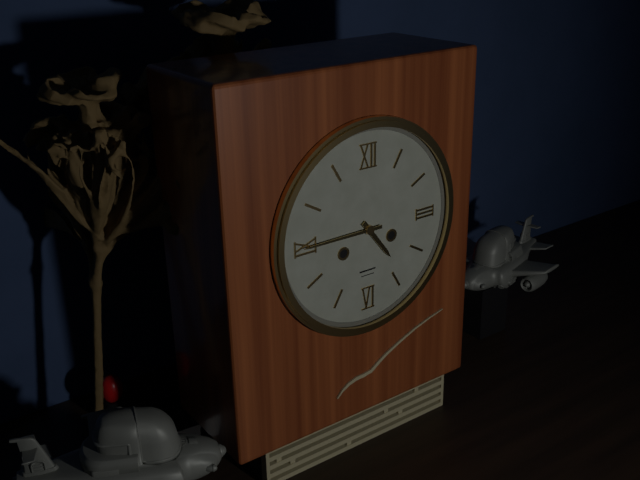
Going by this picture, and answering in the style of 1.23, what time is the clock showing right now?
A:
4.45
